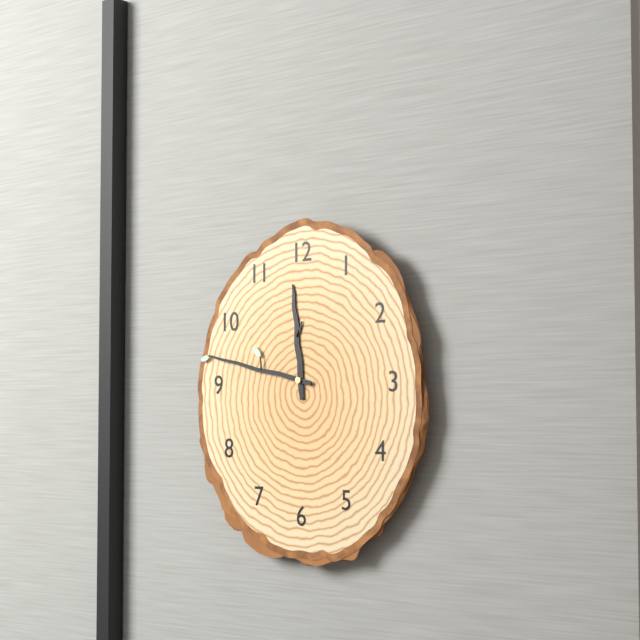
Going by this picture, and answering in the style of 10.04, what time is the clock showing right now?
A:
11.47
